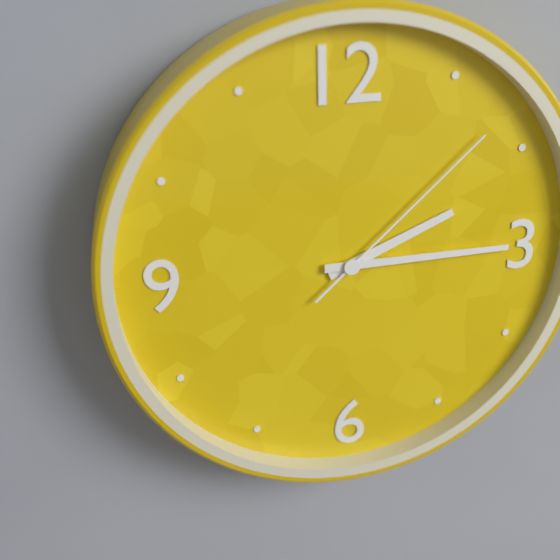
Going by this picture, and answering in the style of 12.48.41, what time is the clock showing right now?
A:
2.15.08
